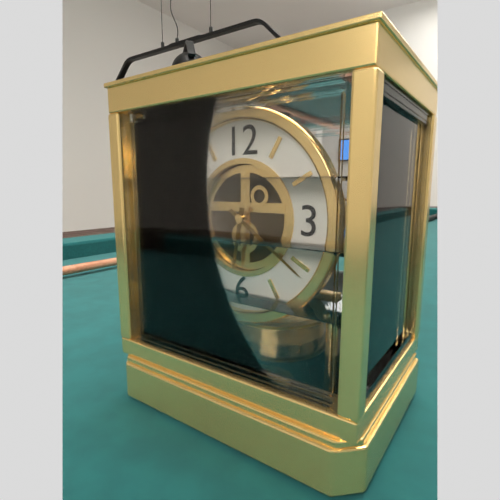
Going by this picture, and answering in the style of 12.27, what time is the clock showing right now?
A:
6.21
